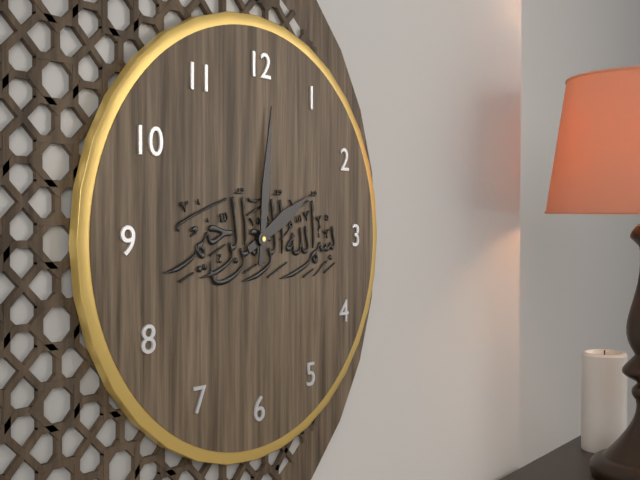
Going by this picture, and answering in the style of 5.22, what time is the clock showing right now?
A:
2.01
